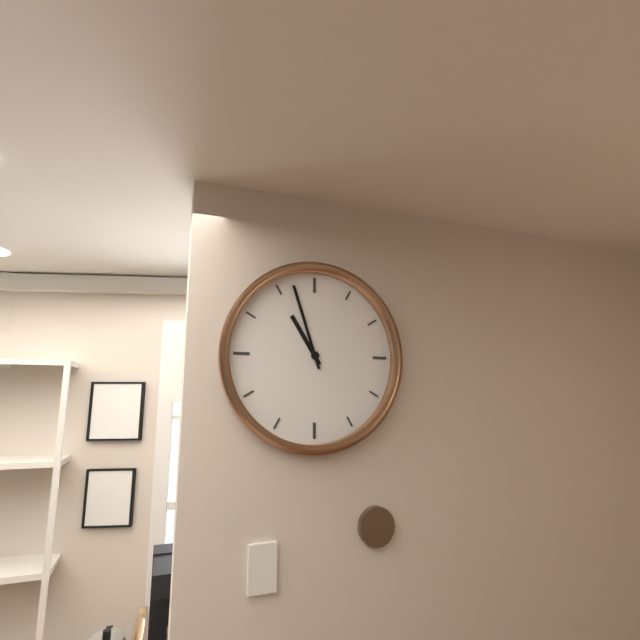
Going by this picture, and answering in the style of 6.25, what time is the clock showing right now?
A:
10.57
